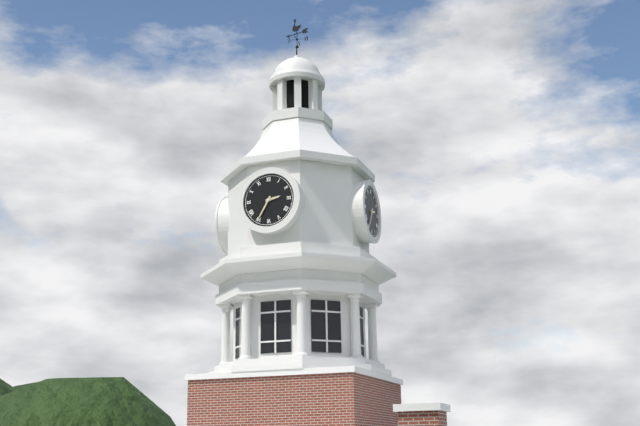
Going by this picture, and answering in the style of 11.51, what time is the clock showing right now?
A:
2.35
